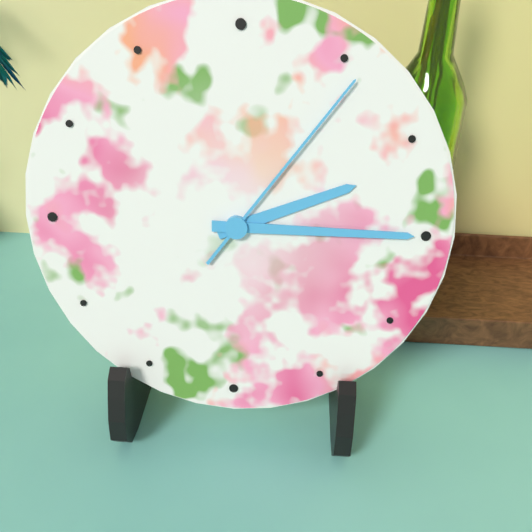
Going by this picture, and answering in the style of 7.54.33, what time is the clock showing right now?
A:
2.15.06
